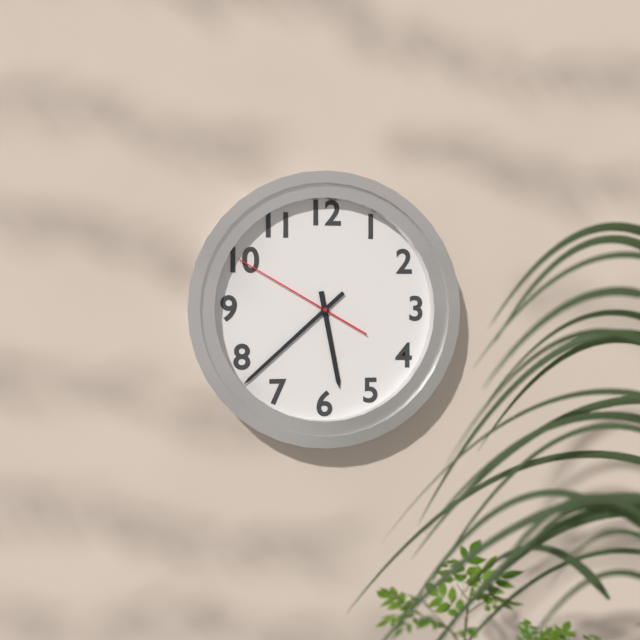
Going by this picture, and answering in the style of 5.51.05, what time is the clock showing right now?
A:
5.38.50
